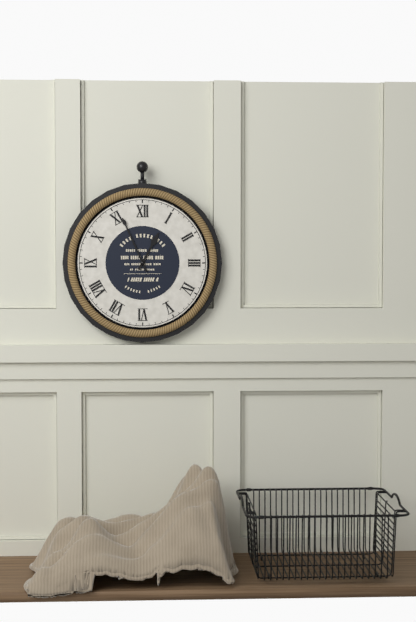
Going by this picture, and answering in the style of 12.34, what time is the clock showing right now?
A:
12.56
